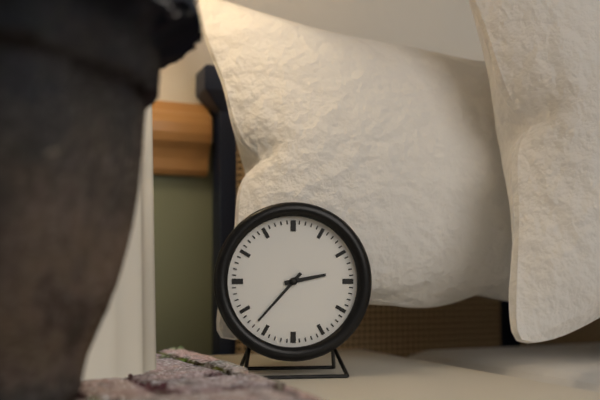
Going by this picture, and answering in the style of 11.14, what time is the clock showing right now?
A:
2.37
